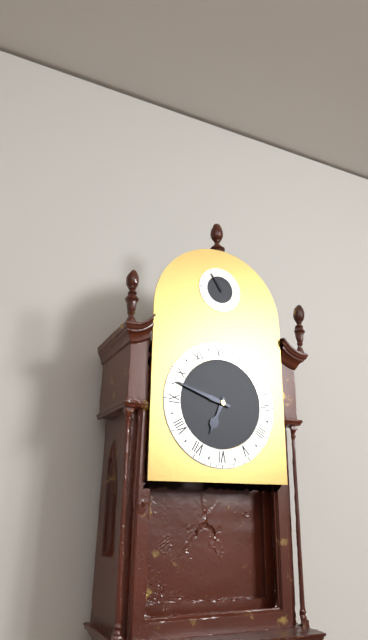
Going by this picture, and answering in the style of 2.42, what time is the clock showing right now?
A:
6.48
